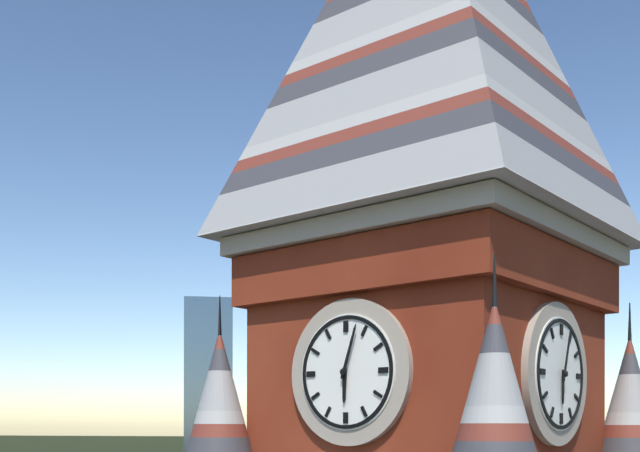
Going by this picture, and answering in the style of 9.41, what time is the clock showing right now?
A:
6.03
